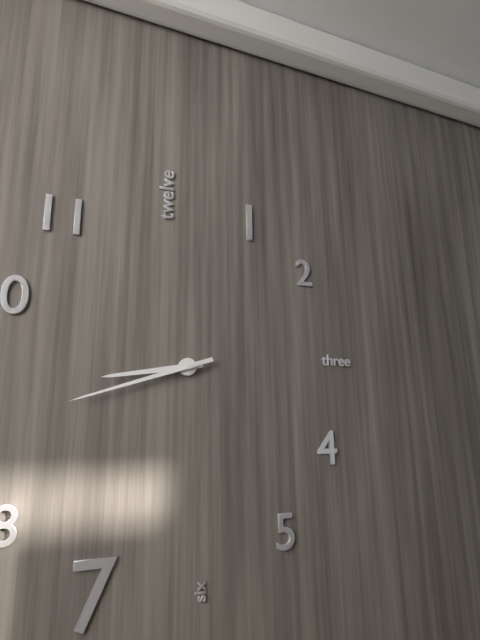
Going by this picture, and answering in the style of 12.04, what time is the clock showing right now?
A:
8.42
